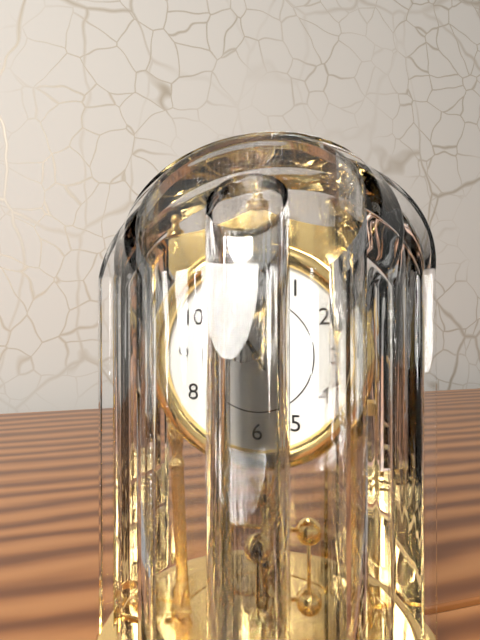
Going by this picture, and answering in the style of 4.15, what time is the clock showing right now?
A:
10.55
